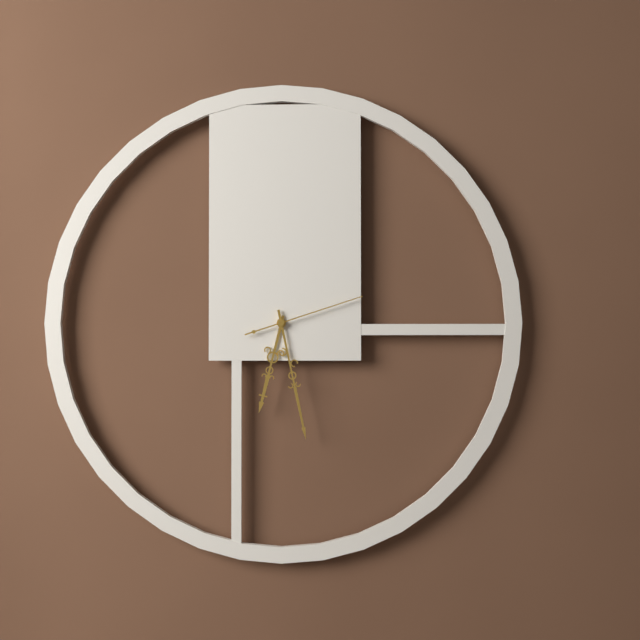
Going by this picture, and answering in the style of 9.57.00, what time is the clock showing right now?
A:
6.28.12
